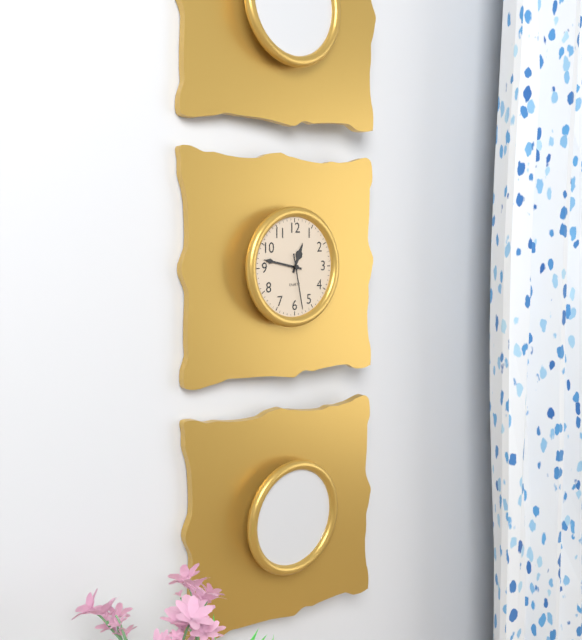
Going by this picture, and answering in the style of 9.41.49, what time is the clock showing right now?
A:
12.47.28
